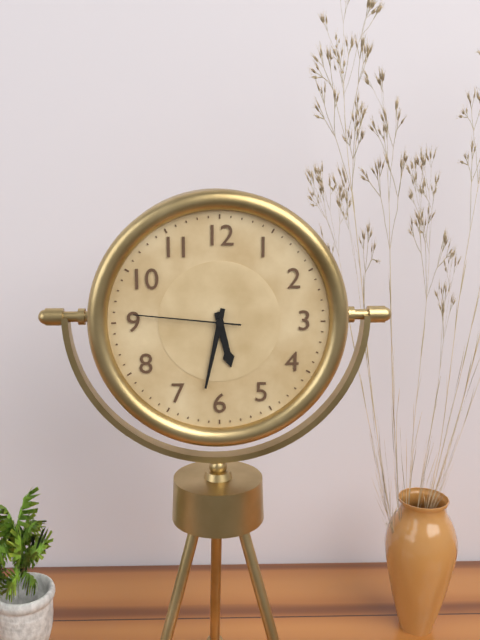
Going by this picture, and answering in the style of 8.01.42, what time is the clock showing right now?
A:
5.32.46
